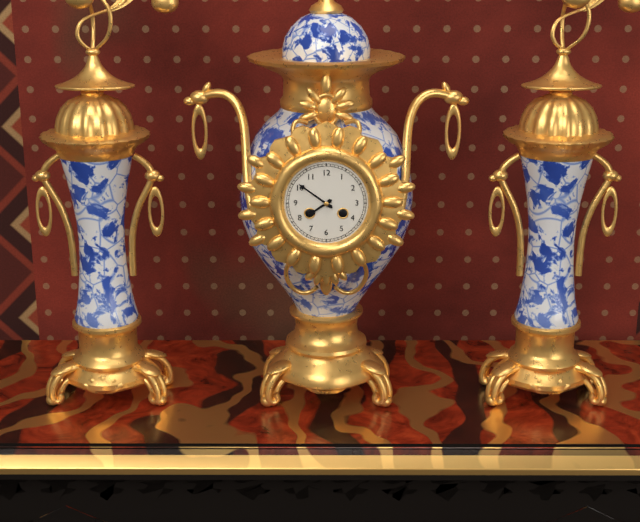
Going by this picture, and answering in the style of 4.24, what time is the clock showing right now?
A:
7.51
